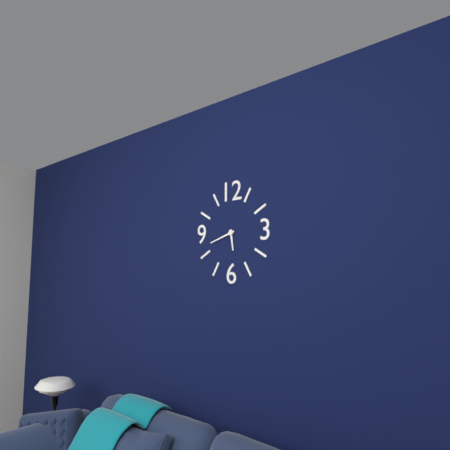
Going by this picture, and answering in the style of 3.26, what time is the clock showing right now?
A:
5.42
